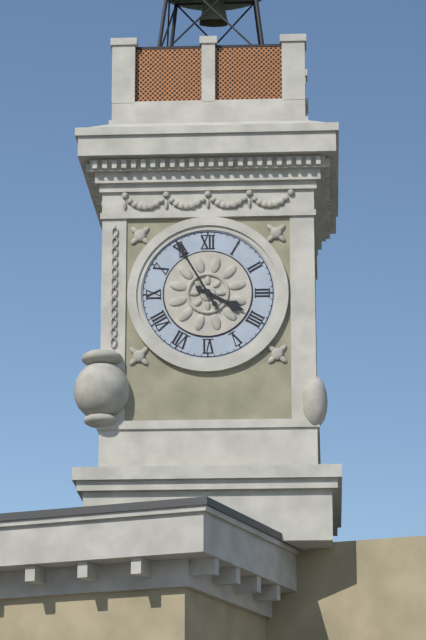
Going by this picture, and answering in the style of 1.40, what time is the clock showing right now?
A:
3.55
